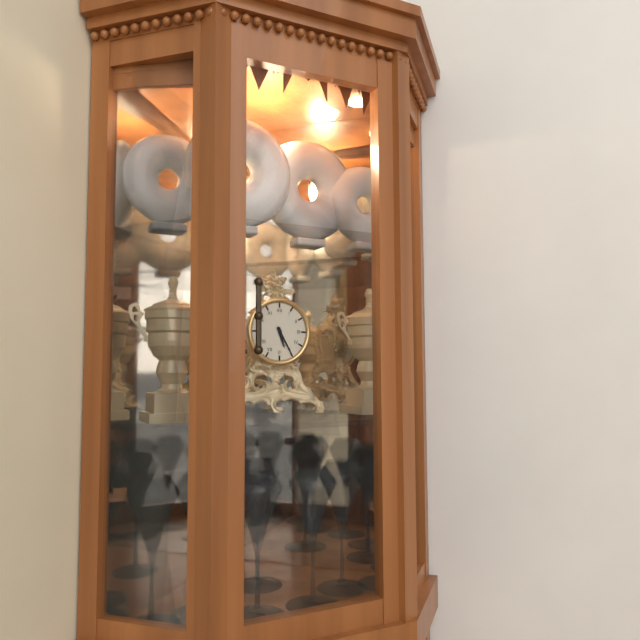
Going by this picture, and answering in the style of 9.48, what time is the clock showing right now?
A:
5.25
